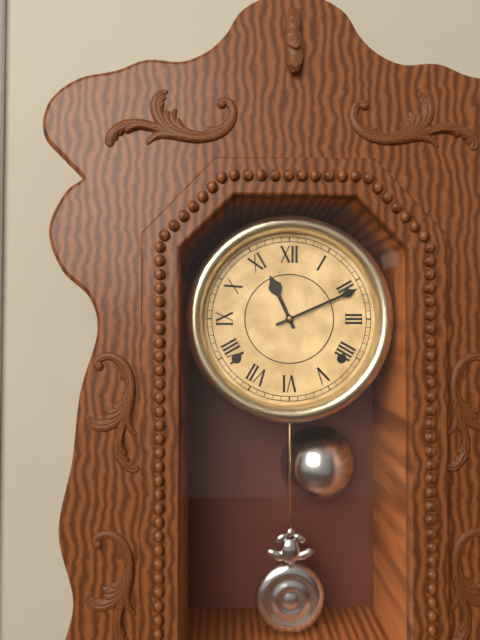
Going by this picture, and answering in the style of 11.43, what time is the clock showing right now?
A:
11.11
